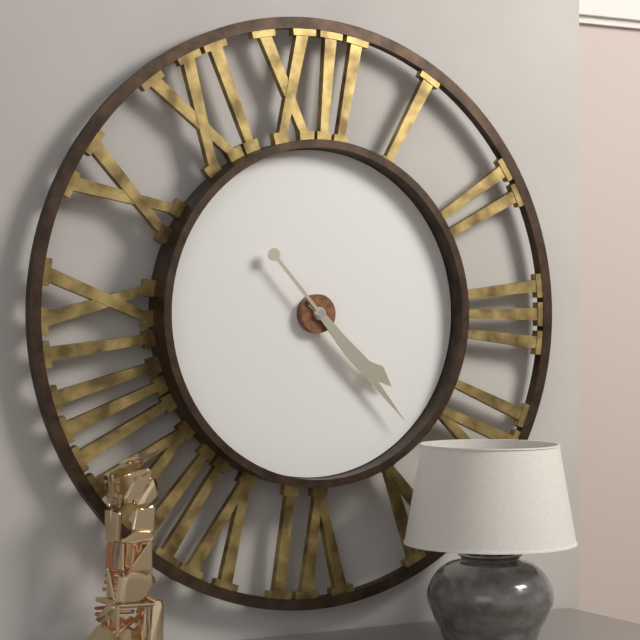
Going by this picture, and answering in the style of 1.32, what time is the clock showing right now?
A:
4.23
